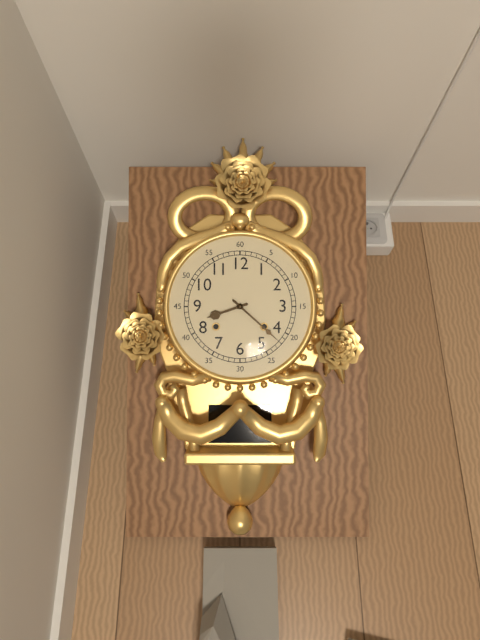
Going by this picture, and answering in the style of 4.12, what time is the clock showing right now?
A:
8.22
